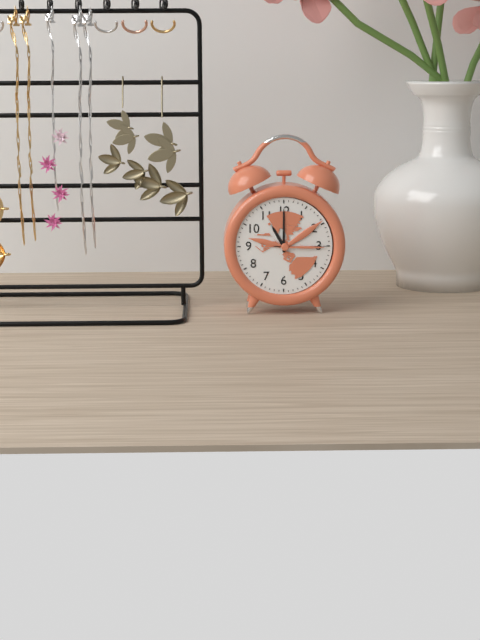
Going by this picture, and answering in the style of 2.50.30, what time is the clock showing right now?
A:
11.00.15
